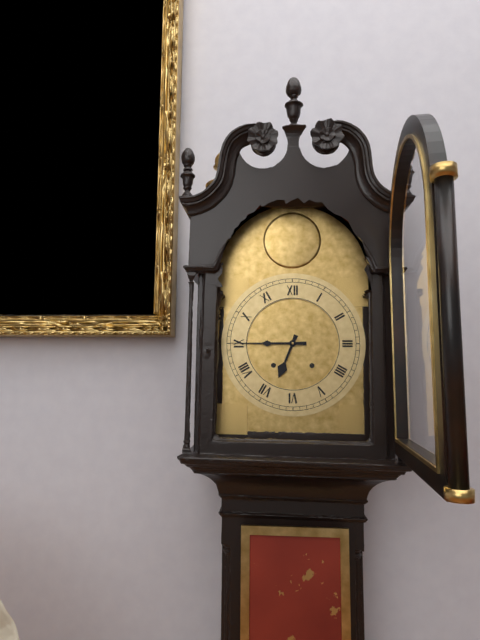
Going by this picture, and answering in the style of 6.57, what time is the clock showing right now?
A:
6.45
